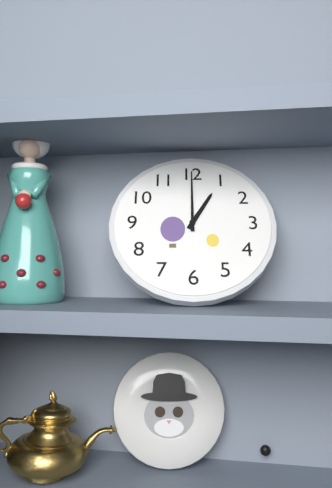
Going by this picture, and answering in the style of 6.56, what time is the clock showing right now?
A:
1.00
